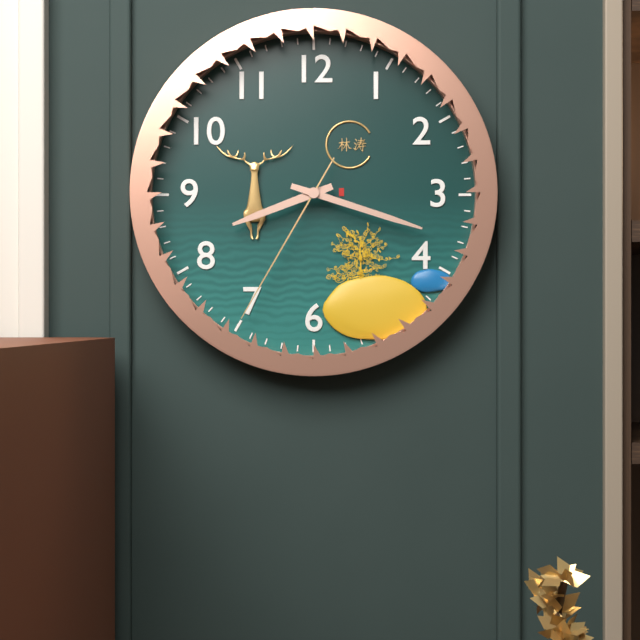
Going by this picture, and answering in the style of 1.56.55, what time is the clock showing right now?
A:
8.18.35
